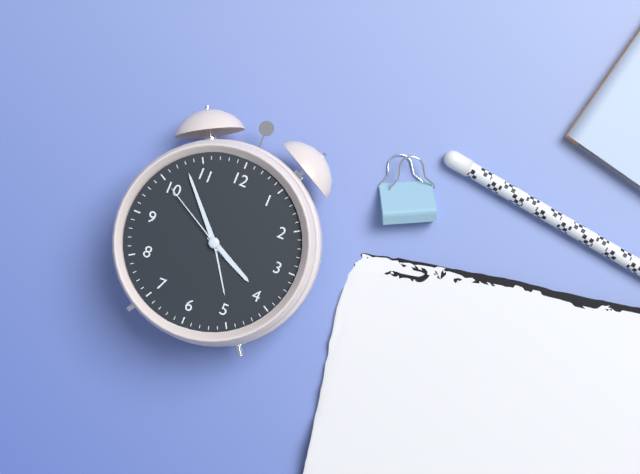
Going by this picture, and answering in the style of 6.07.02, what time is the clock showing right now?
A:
3.53.50
